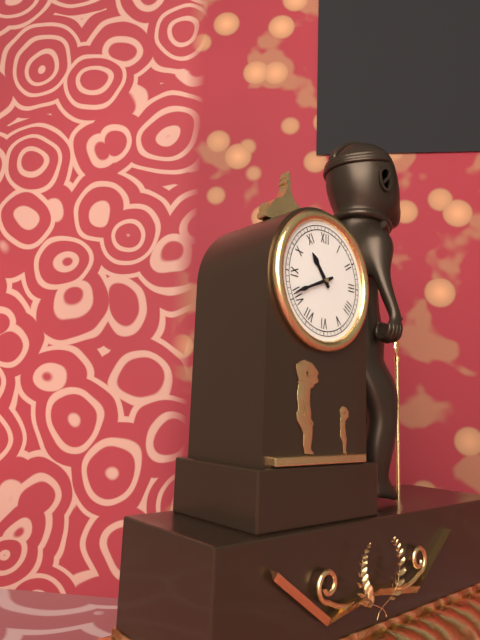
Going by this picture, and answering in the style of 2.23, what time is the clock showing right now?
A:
10.41
